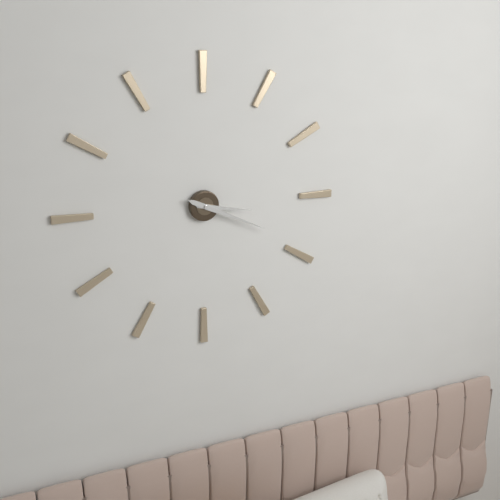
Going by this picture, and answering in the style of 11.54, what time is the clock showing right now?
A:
3.19
